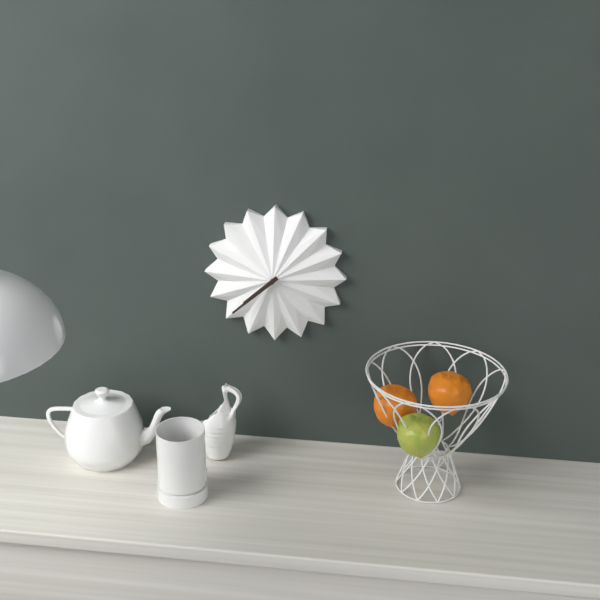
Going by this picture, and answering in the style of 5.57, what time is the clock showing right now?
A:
7.38
